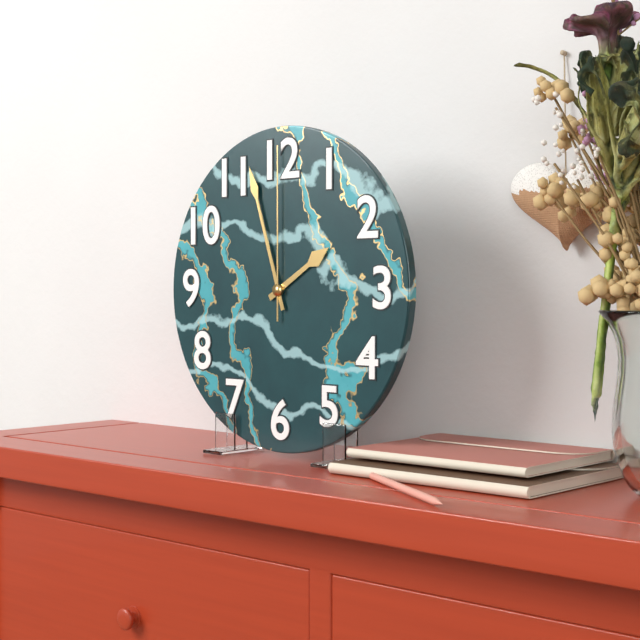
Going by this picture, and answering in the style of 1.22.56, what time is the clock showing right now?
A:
1.57.00
